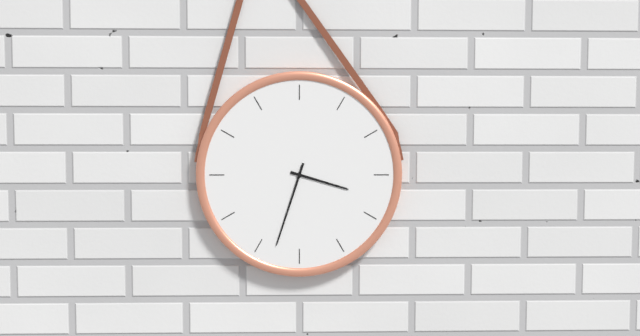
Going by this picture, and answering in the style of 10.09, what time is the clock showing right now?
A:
3.33
